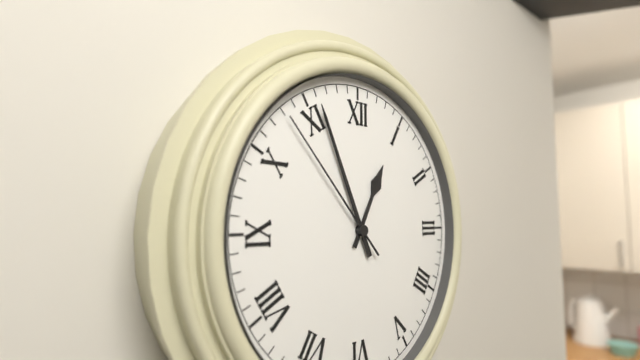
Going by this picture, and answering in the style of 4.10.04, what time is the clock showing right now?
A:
12.56.53
